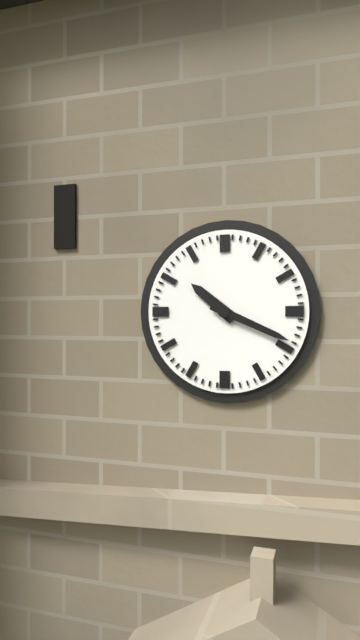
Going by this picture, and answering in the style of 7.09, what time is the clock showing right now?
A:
10.19
